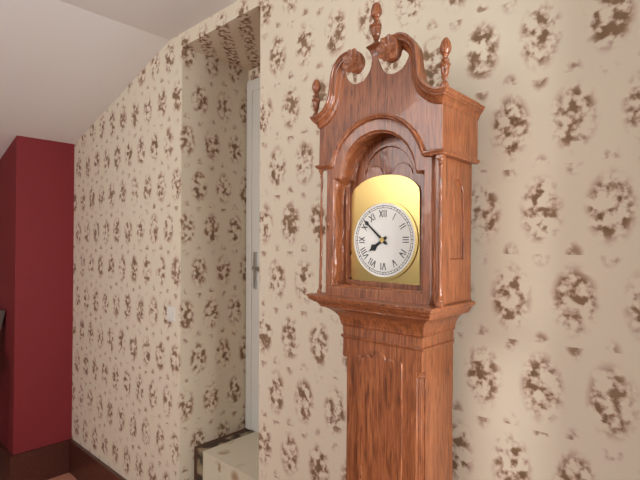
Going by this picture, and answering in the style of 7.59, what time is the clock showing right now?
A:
7.52
